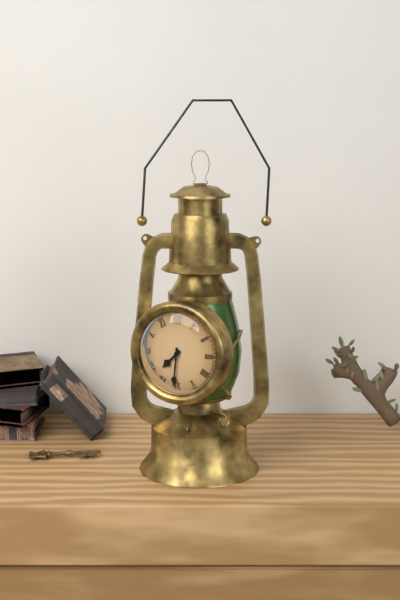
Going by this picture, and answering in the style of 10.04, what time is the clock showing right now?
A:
7.31
